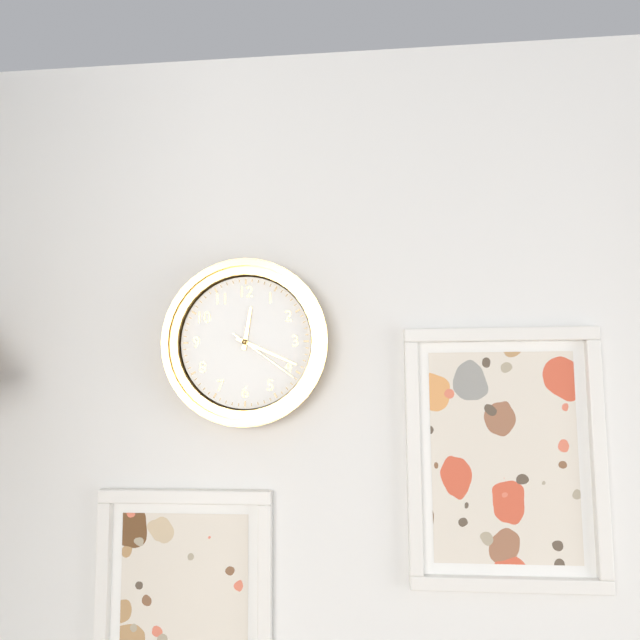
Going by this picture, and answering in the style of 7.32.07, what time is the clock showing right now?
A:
12.19.21
